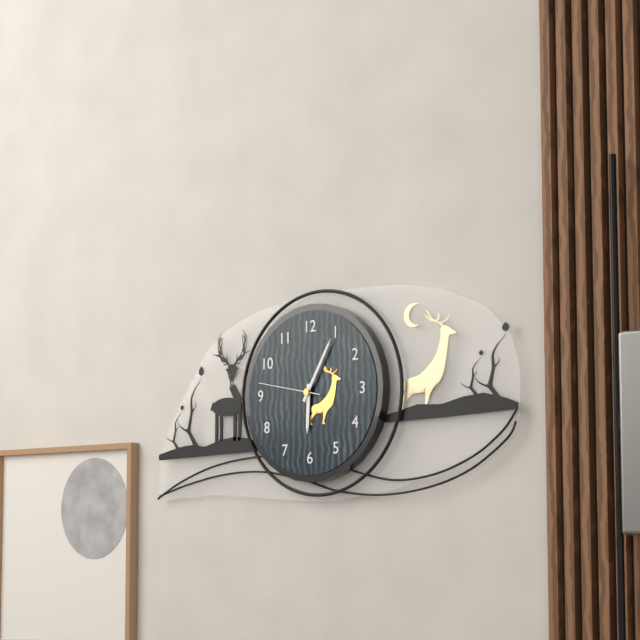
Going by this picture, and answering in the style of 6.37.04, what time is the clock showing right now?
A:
6.05.47
